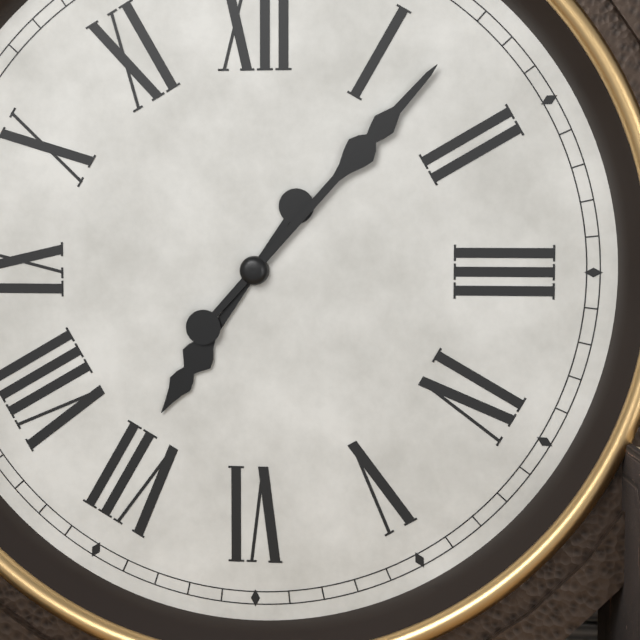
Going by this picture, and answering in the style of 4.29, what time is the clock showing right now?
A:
7.07
